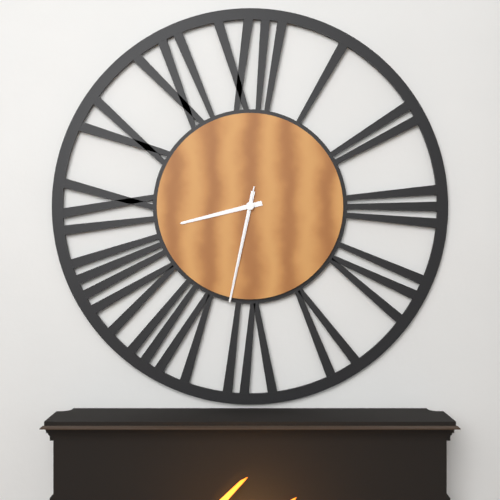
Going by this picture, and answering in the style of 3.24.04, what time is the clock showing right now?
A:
8.32.32
